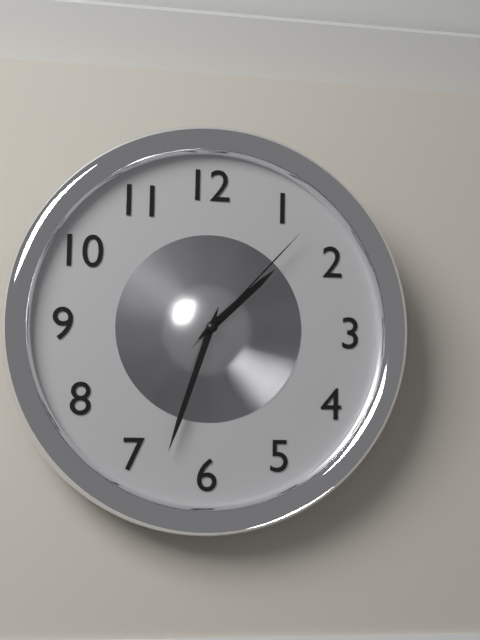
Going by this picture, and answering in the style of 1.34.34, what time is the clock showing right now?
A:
1.33.07
